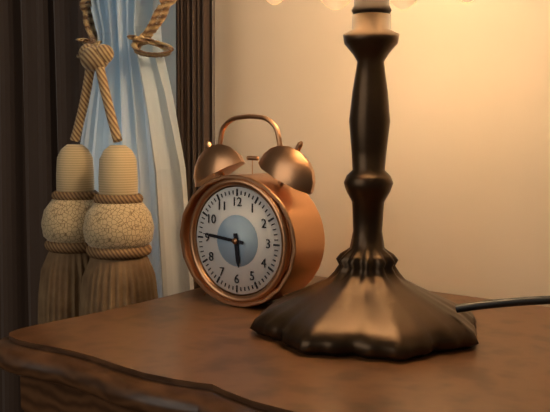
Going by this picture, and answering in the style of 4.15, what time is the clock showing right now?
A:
5.46
